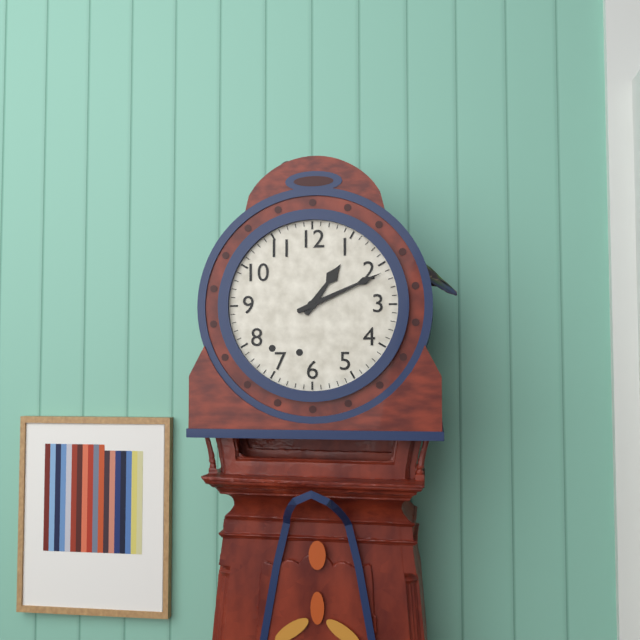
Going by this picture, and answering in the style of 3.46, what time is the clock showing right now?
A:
1.11
